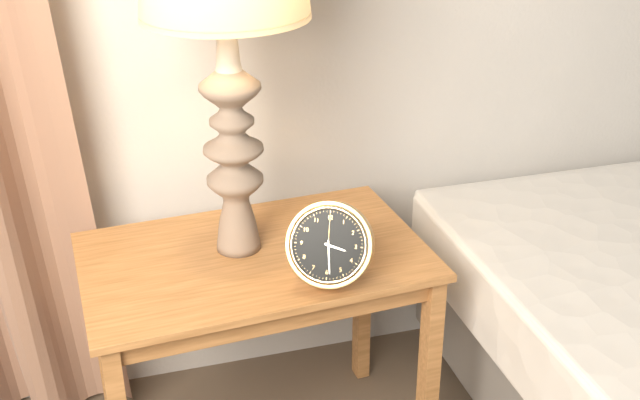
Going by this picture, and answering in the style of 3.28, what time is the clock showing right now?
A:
3.29
